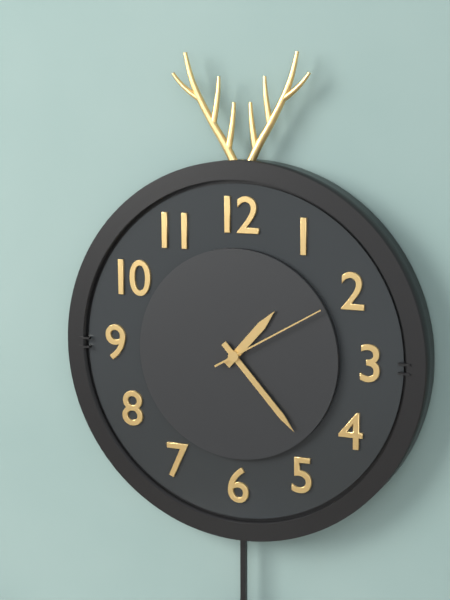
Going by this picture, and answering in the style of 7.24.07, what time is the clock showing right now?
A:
1.23.10
